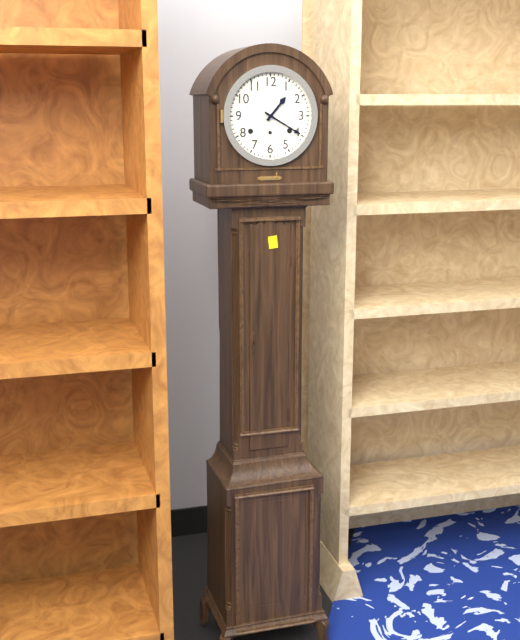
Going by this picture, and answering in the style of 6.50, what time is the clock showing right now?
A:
1.20
